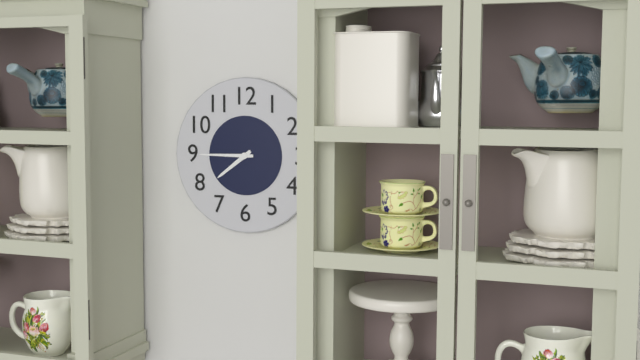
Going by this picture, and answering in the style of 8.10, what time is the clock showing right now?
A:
7.45
